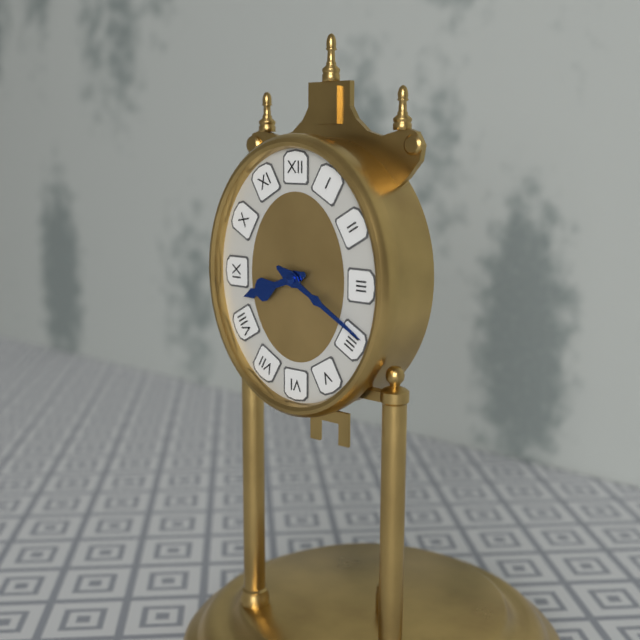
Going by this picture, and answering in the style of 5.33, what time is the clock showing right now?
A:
8.20
